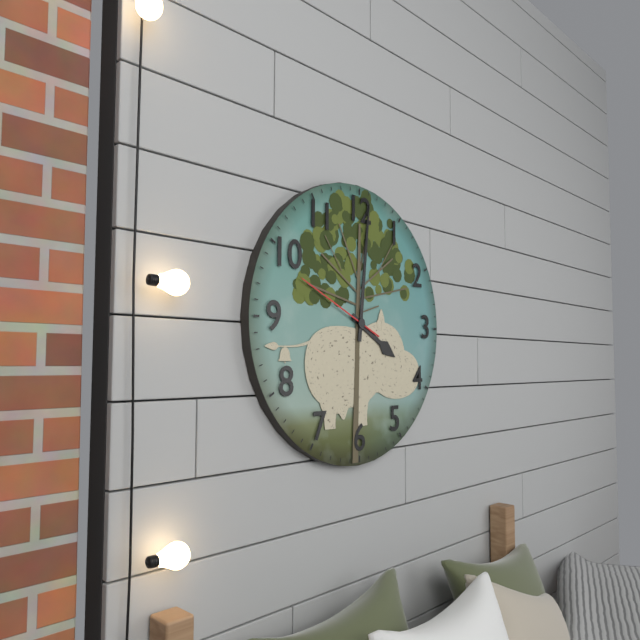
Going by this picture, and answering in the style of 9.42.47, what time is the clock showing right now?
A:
4.01.49
